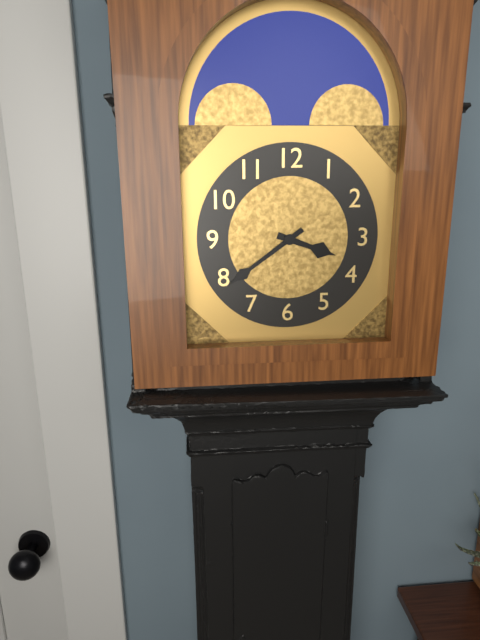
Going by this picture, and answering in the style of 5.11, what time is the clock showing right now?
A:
3.39
